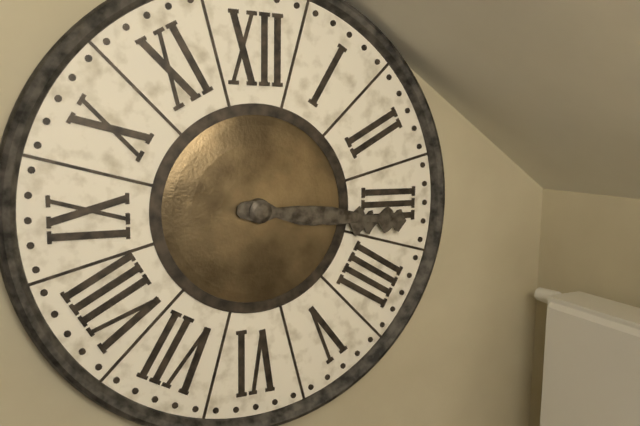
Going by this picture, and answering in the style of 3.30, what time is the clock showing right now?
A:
3.16
